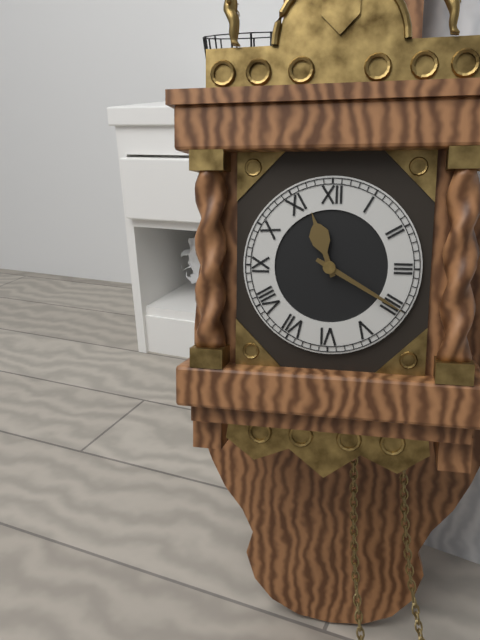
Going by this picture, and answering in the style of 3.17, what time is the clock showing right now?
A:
11.20
